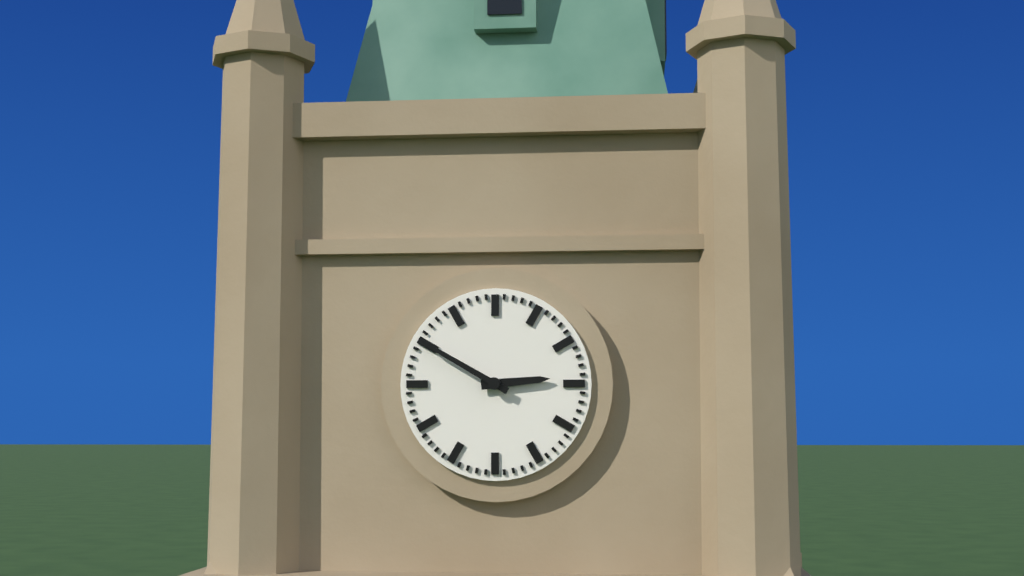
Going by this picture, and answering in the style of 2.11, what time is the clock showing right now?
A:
2.50
